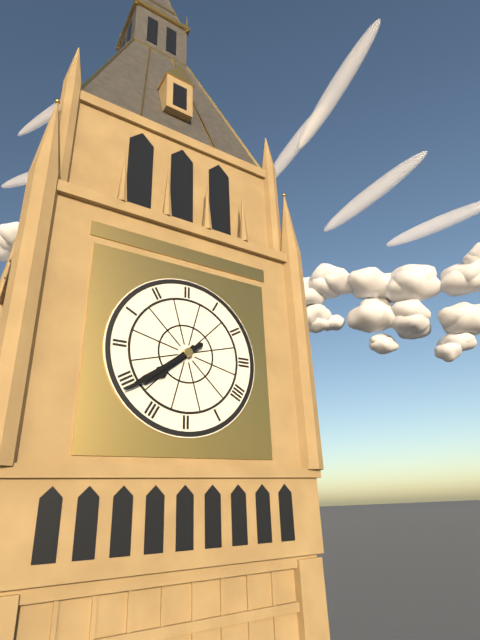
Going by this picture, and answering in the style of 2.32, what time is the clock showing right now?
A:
7.39
